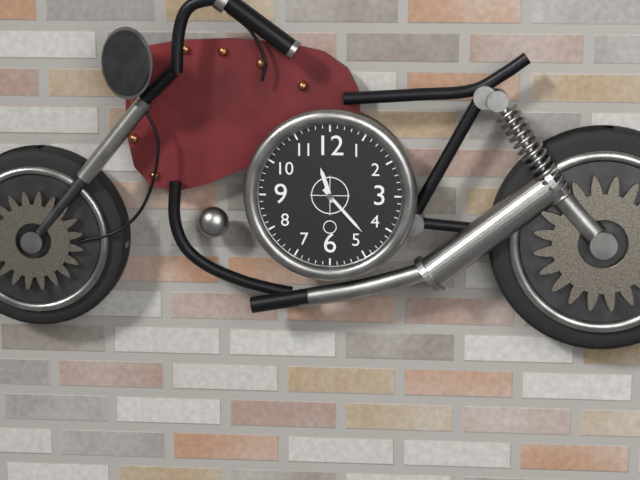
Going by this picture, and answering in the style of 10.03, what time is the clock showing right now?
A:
11.23
